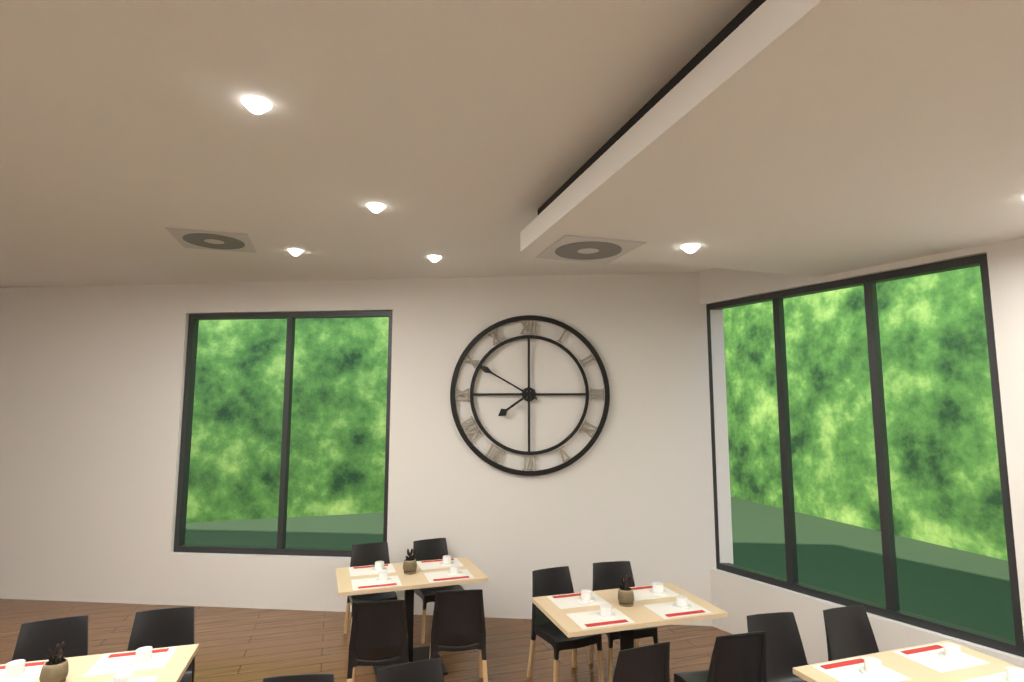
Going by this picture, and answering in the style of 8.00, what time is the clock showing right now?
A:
7.50
